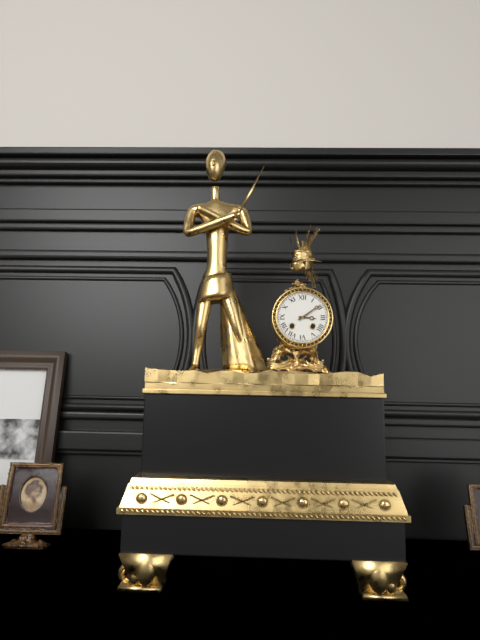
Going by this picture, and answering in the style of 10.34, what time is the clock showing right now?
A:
3.09
